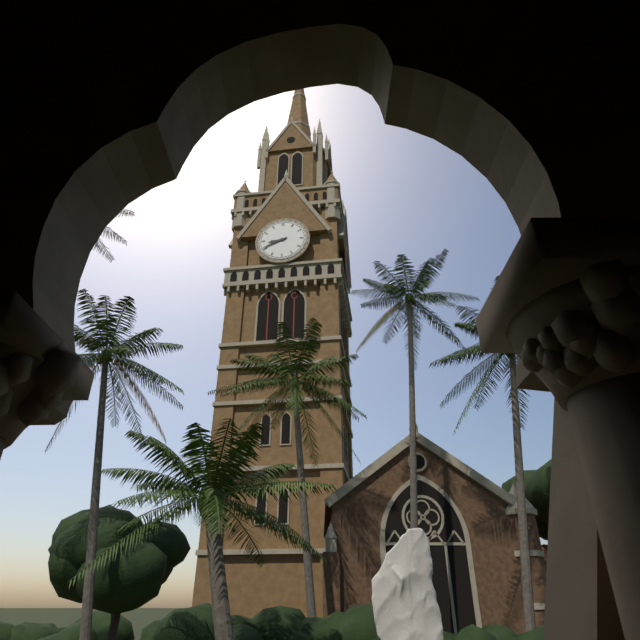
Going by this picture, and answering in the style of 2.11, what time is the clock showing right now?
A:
8.41
